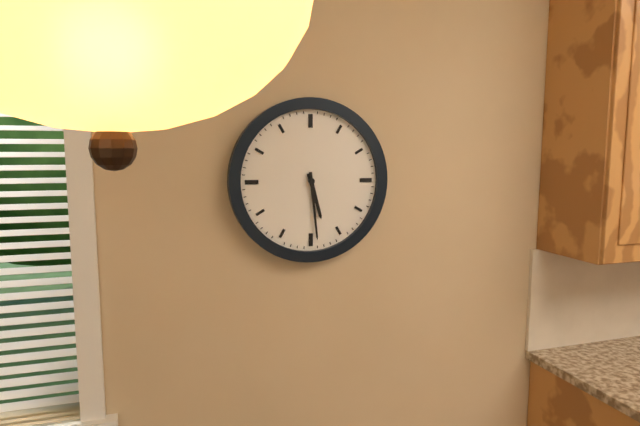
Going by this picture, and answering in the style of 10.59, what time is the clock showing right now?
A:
5.29
